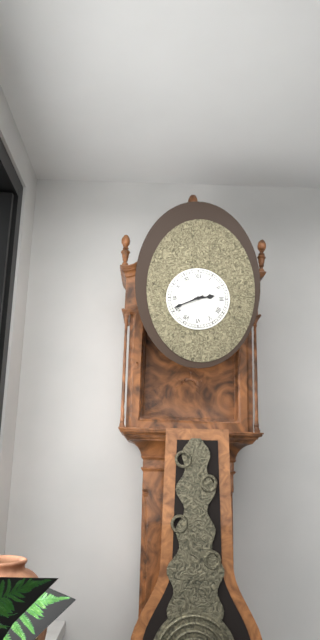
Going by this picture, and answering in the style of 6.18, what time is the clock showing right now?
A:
2.41
